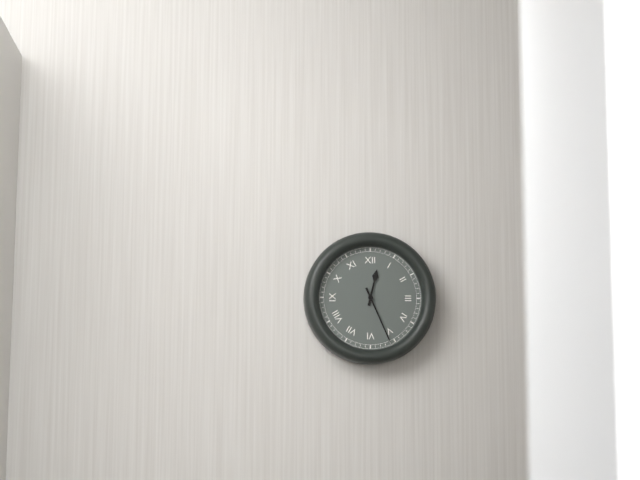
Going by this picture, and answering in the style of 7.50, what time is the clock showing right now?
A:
12.26
